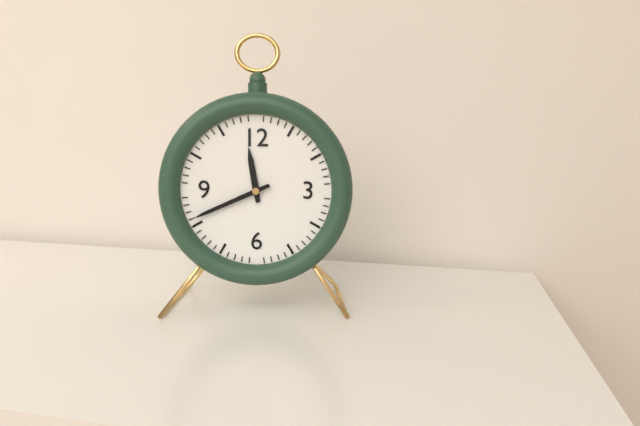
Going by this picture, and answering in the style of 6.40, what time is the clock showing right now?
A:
11.41
